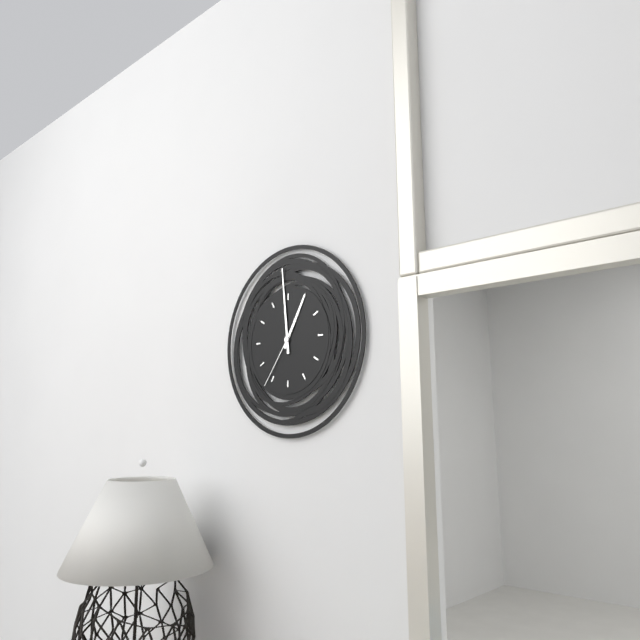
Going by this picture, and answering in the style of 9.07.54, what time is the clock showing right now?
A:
12.59.36
